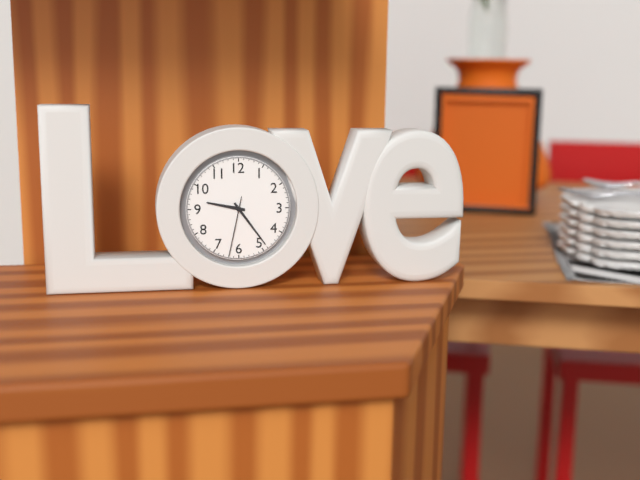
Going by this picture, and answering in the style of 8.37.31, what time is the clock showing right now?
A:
9.24.32
